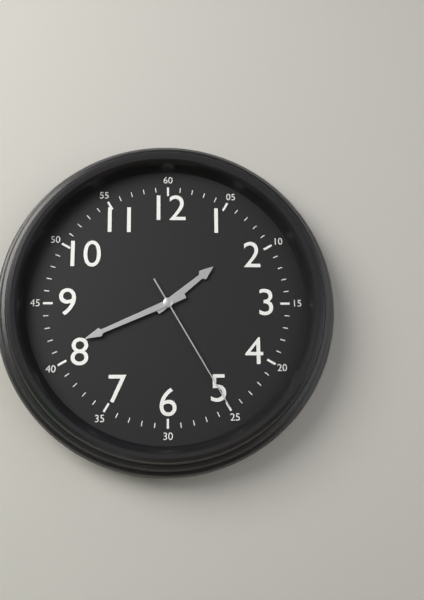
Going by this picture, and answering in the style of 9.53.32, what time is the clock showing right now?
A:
1.41.25
